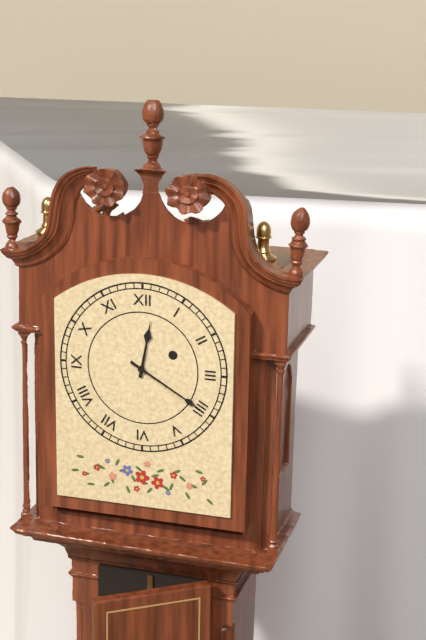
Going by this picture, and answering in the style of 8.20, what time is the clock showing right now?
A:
12.20
